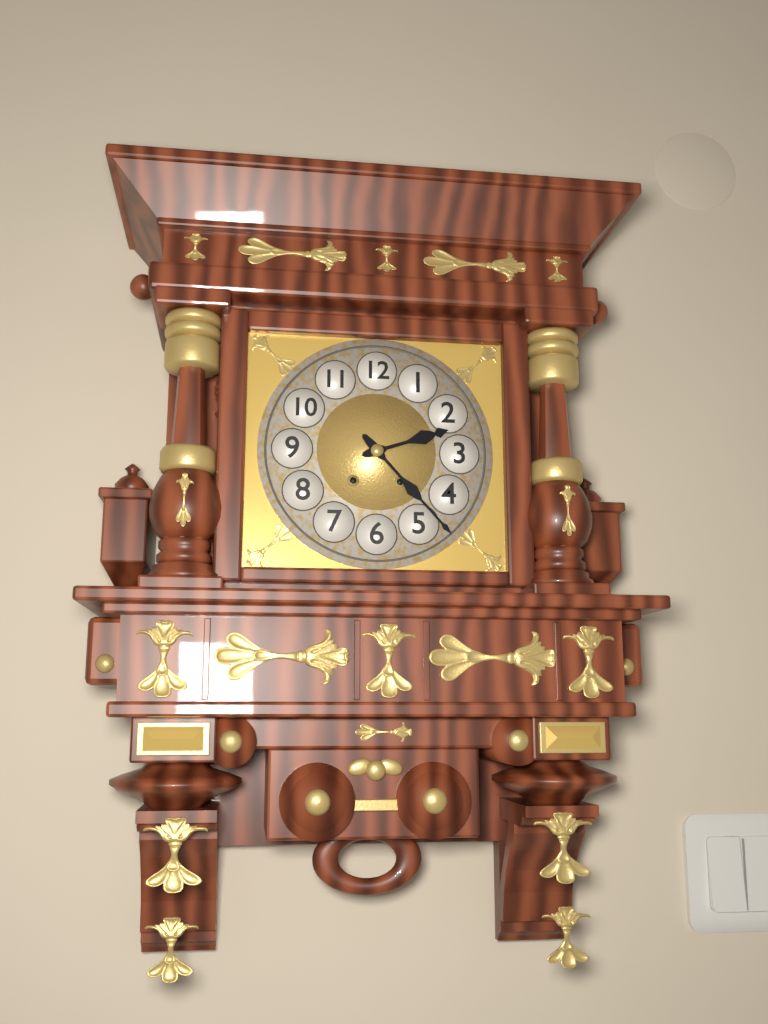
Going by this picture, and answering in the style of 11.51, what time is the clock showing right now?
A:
2.23
